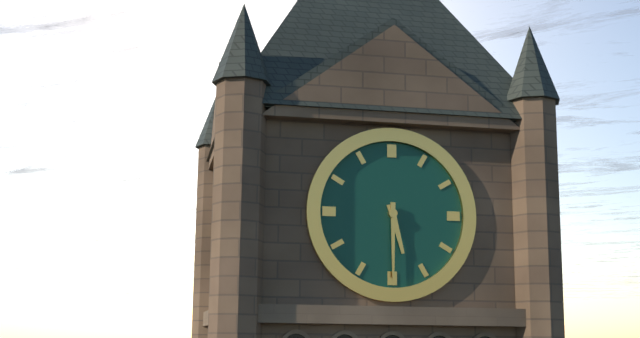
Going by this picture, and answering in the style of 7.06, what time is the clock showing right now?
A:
5.30
